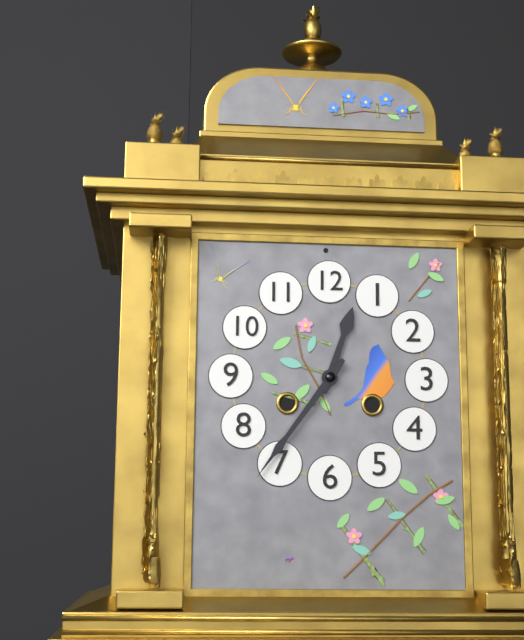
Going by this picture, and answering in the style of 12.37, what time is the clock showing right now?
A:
12.36
